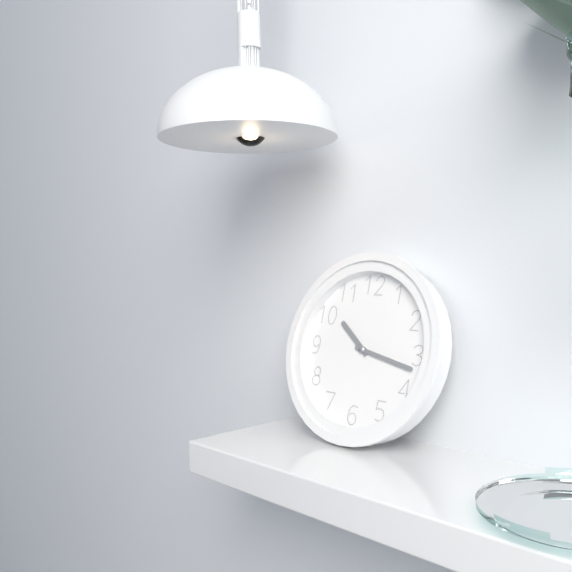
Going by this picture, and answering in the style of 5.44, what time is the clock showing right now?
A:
10.17
